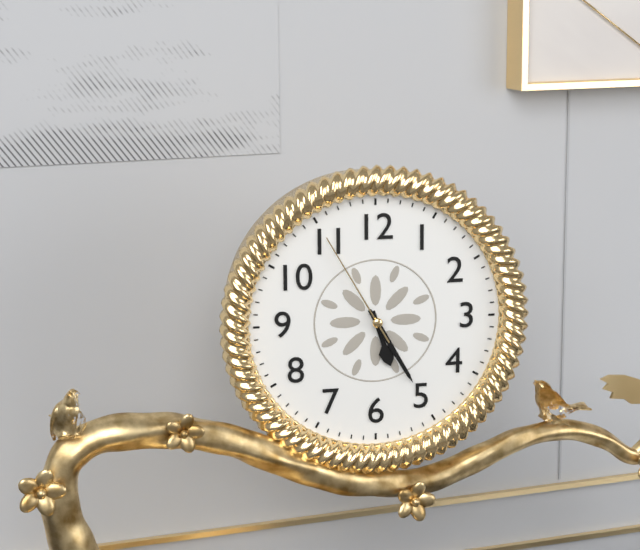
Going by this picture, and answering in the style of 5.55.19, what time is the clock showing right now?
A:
5.25.55
